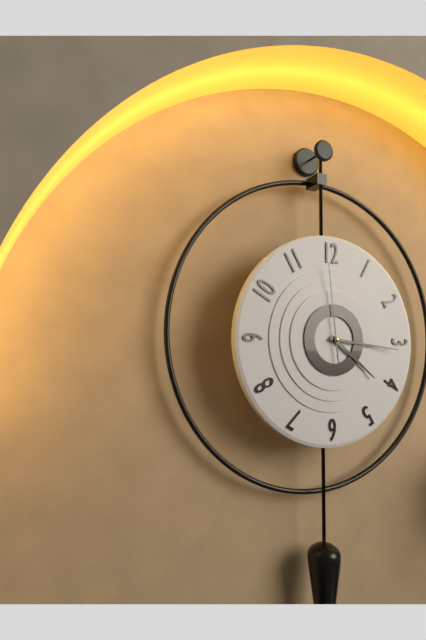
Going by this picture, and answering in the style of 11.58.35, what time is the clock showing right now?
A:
4.16.59
